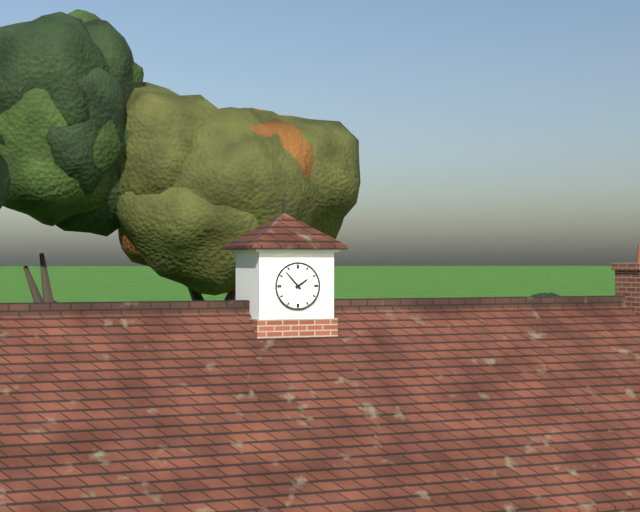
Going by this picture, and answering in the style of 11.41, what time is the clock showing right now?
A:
1.53
